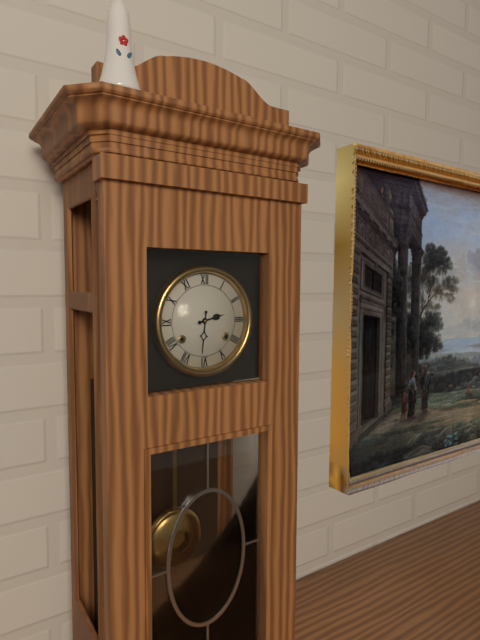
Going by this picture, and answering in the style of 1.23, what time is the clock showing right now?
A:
2.31
